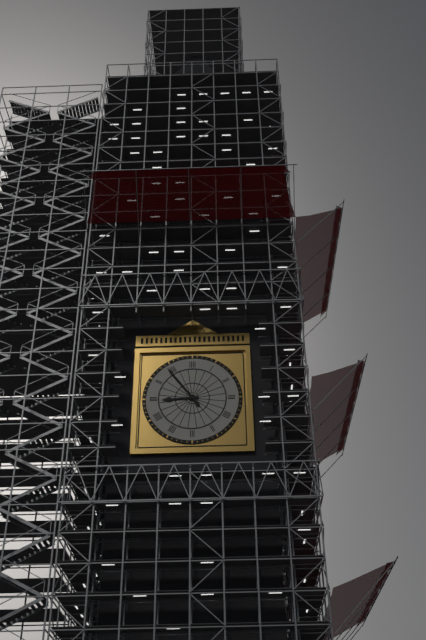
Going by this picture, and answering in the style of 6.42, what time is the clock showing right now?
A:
8.54
